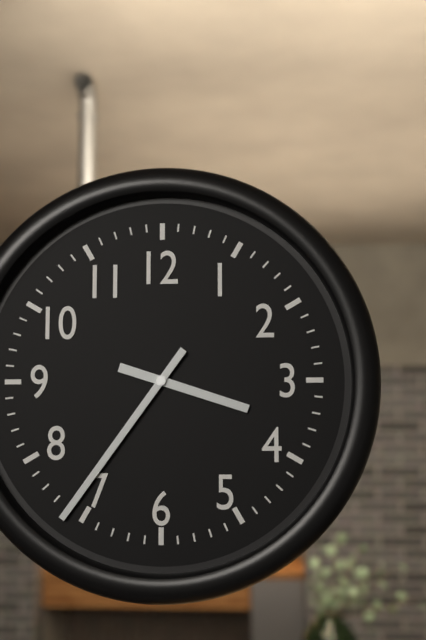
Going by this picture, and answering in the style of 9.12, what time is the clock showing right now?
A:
3.36
